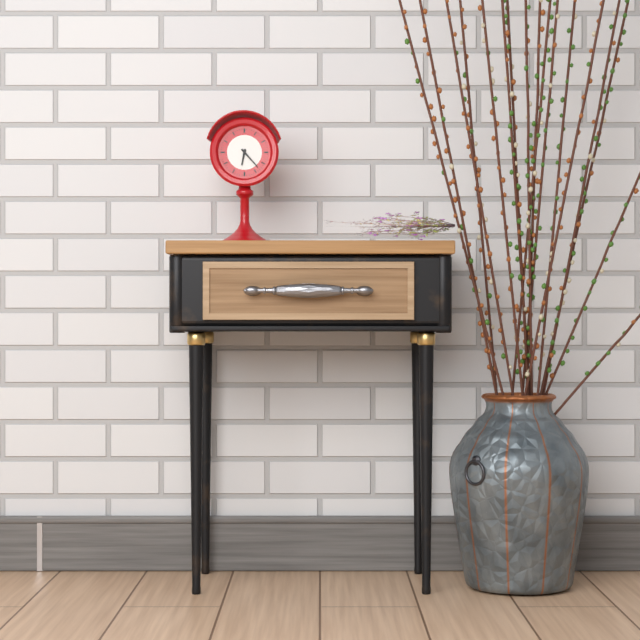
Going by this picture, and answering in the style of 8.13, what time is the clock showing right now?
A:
6.23
